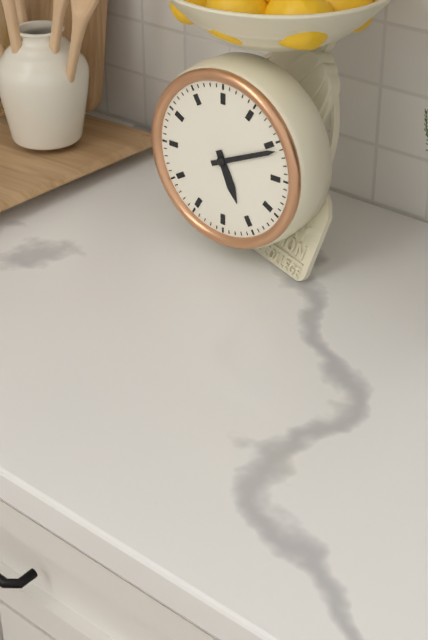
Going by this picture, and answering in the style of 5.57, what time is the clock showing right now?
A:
5.11
